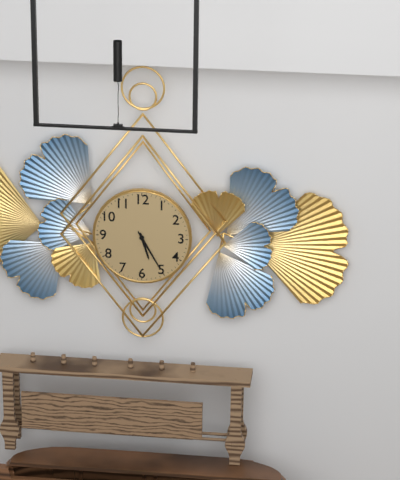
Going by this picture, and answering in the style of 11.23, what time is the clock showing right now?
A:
5.25
